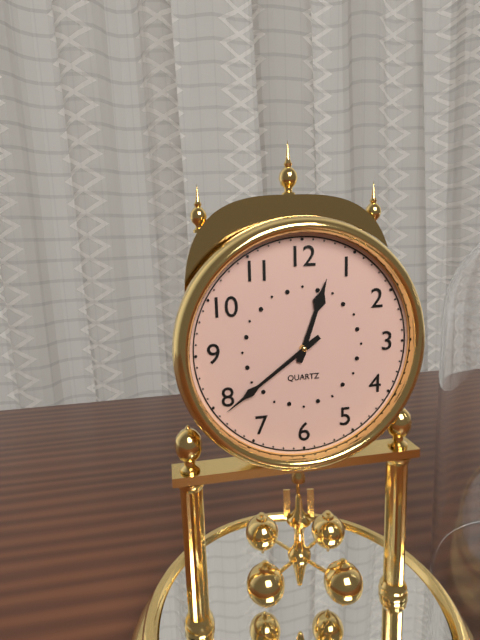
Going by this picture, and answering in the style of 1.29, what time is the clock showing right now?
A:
12.39
